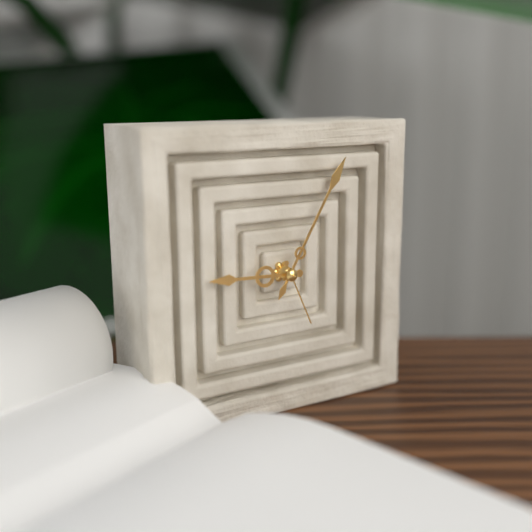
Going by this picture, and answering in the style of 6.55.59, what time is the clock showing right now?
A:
9.05.26
